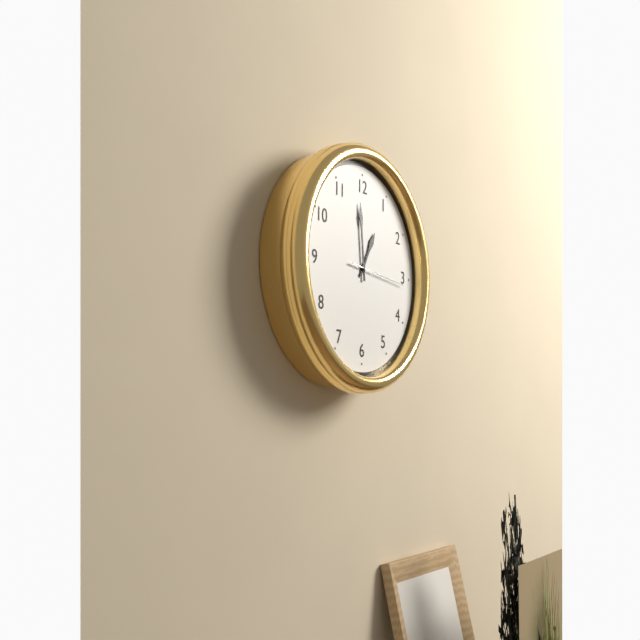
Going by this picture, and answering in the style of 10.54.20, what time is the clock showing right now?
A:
12.59.16
